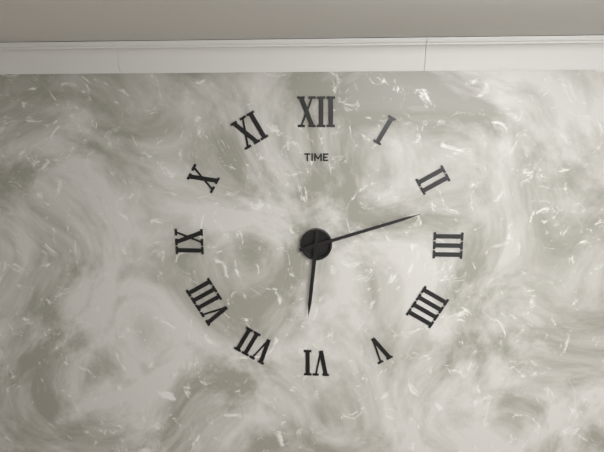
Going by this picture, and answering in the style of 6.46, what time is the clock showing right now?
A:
6.12
